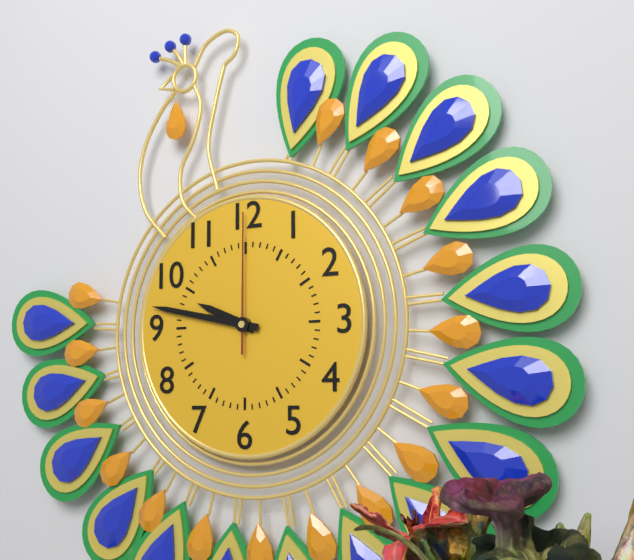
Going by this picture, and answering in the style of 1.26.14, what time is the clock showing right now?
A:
9.47.00
